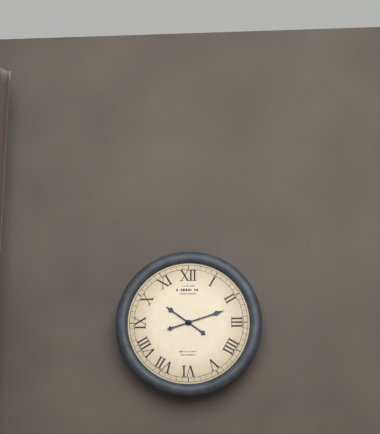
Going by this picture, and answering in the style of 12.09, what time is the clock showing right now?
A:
10.12
